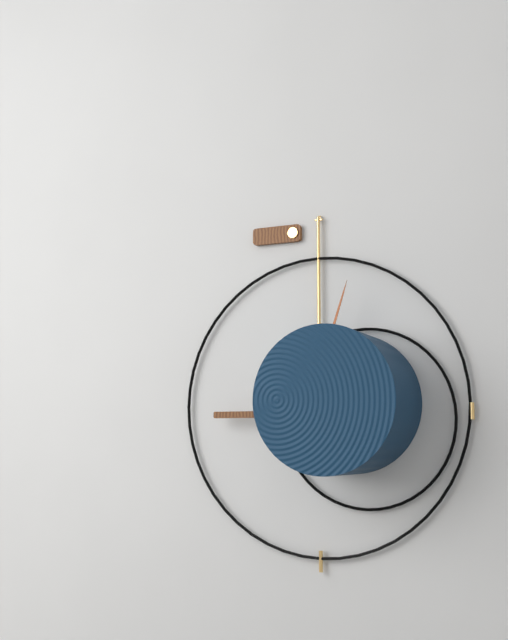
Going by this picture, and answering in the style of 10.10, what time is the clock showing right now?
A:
5.03
